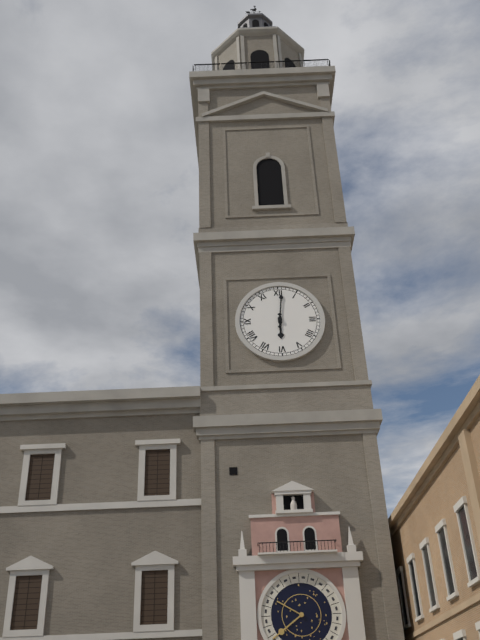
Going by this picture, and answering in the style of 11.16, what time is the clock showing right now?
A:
6.01
